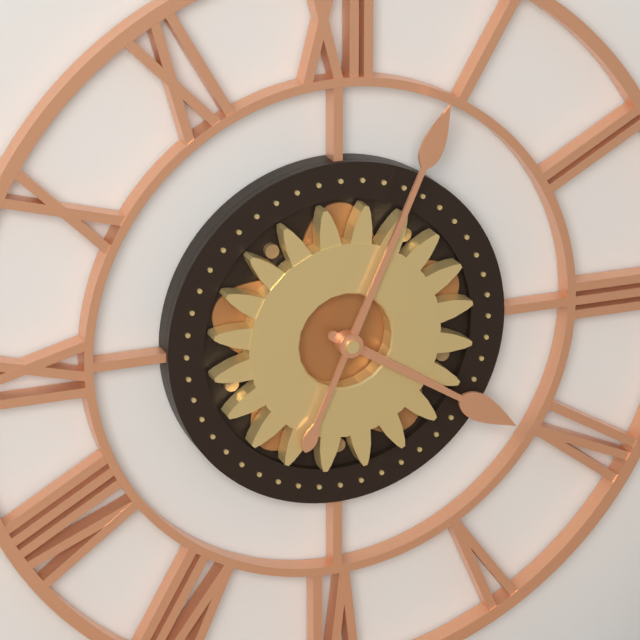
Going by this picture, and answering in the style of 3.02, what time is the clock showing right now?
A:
4.04
